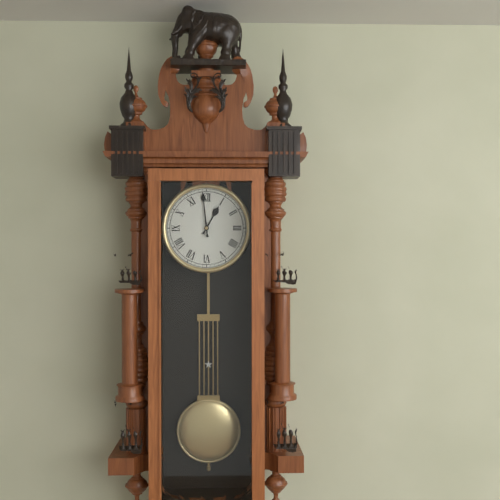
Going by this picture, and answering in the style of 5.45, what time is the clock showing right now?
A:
12.59
